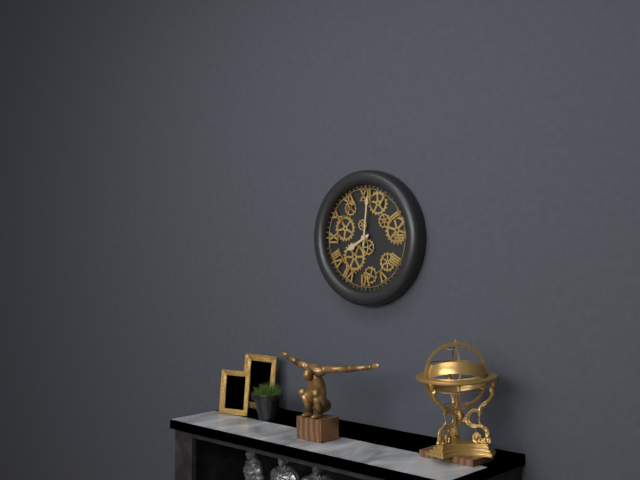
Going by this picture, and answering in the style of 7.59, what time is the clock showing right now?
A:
8.01
